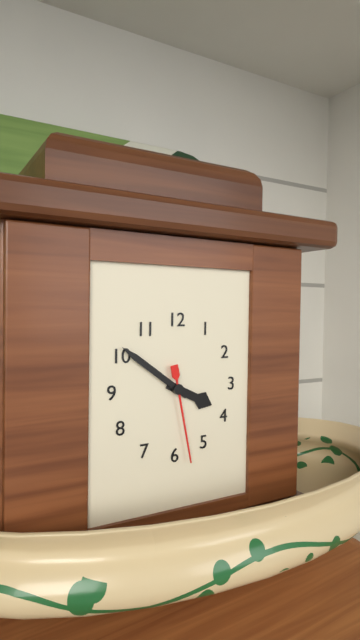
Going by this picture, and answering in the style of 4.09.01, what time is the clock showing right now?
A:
3.51.28
